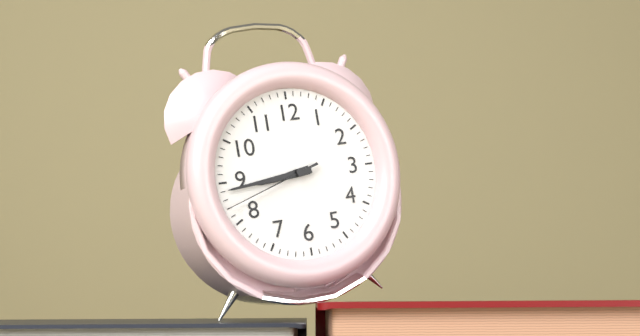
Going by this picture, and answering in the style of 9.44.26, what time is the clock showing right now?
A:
8.44.42
